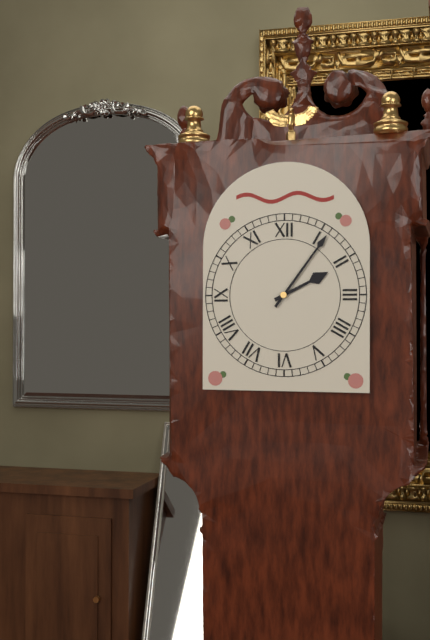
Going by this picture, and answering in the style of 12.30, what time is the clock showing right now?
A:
2.06
